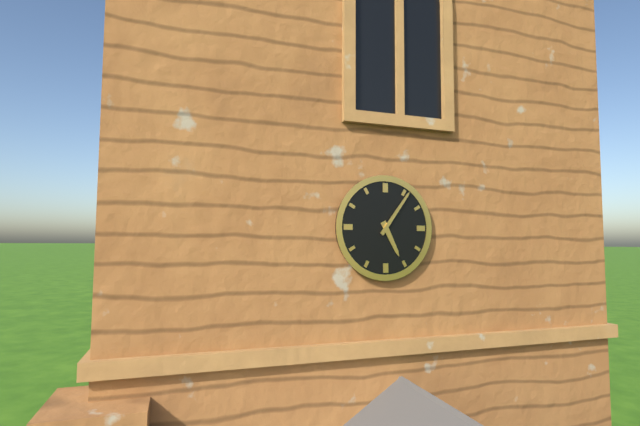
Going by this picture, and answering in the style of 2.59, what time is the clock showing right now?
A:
5.06
